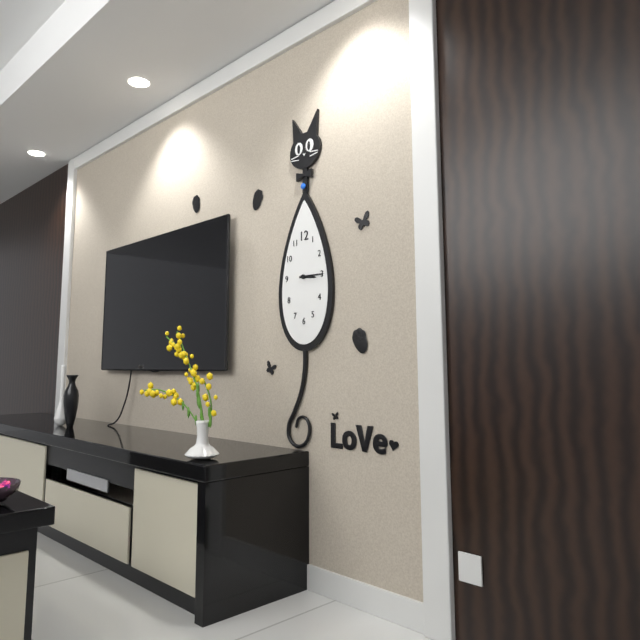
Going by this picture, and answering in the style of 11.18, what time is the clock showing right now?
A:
3.15
